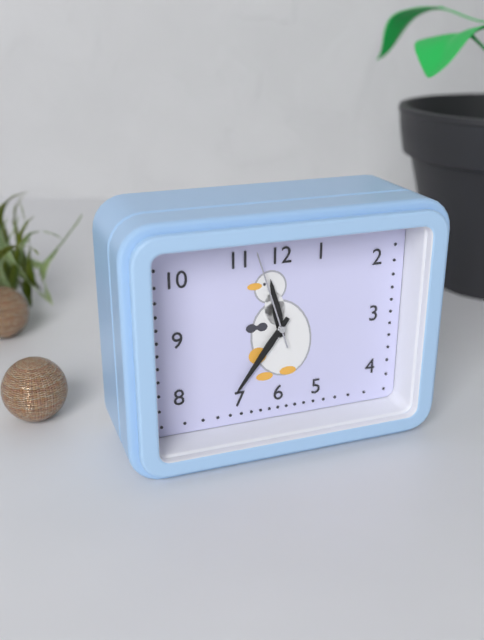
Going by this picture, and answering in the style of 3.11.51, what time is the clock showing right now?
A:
11.36.57
